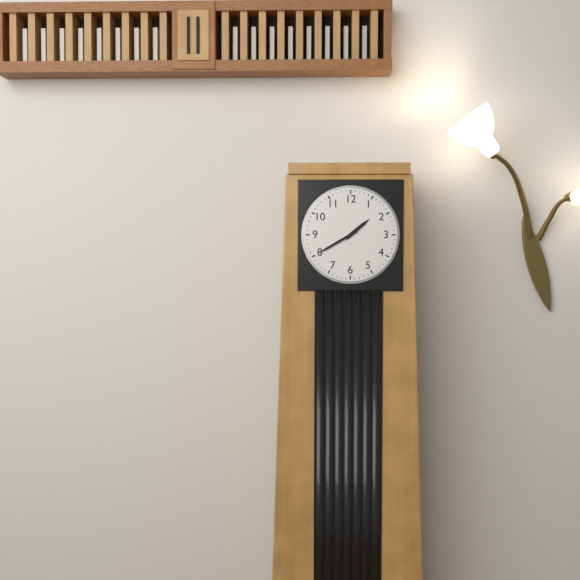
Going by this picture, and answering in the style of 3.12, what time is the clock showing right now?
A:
1.40
